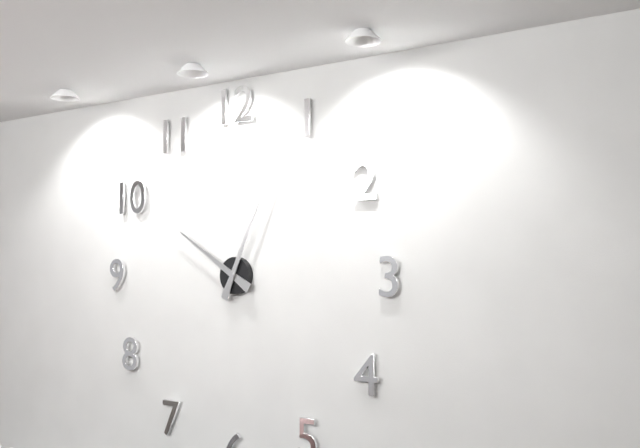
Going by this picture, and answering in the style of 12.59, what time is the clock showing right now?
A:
10.04
